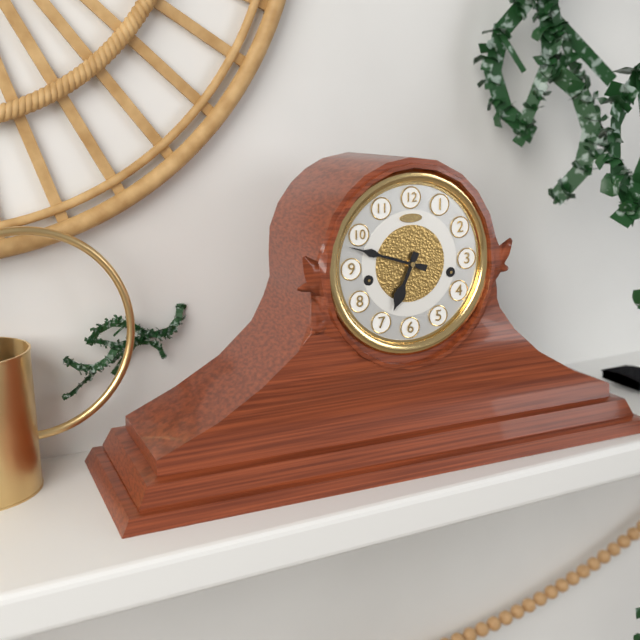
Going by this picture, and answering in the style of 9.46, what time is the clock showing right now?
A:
6.48
